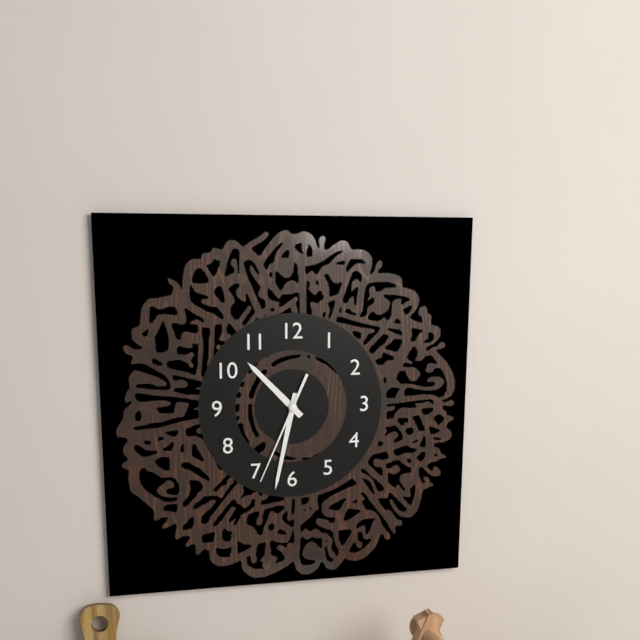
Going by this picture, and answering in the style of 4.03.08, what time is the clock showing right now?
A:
10.32.34
